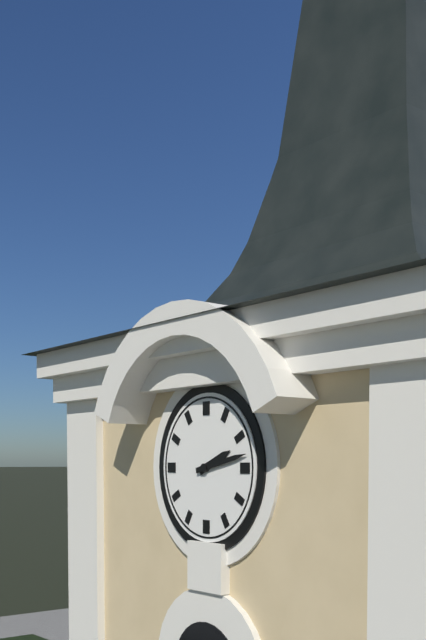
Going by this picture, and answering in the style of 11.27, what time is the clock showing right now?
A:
2.13
